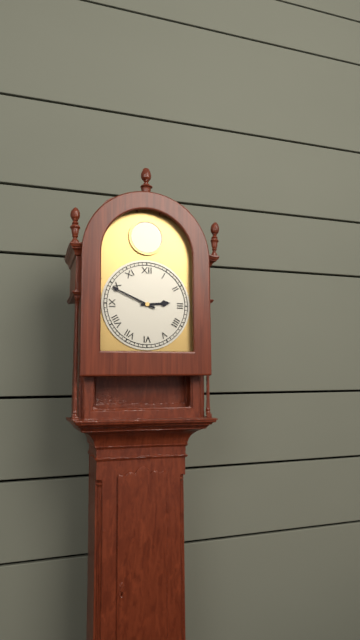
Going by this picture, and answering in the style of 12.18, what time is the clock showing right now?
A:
2.49
